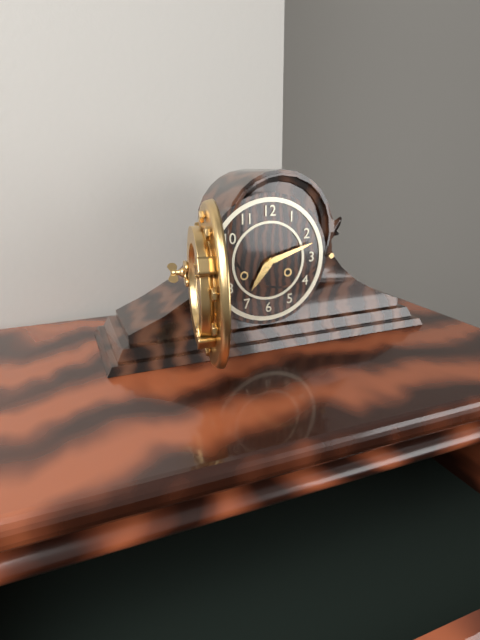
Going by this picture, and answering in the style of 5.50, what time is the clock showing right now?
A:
7.12
